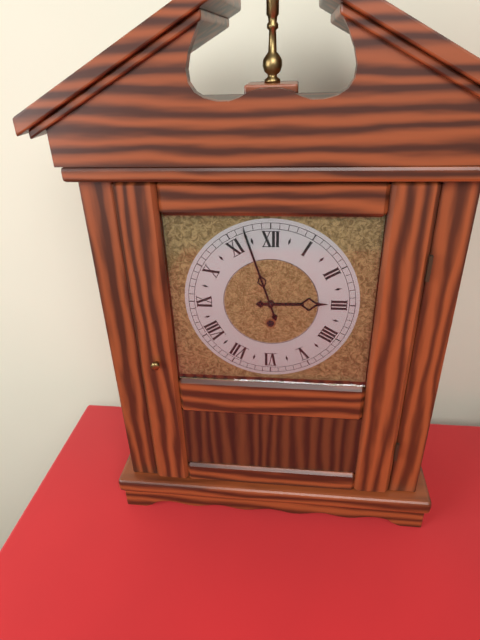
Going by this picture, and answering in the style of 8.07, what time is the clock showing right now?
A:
2.57
